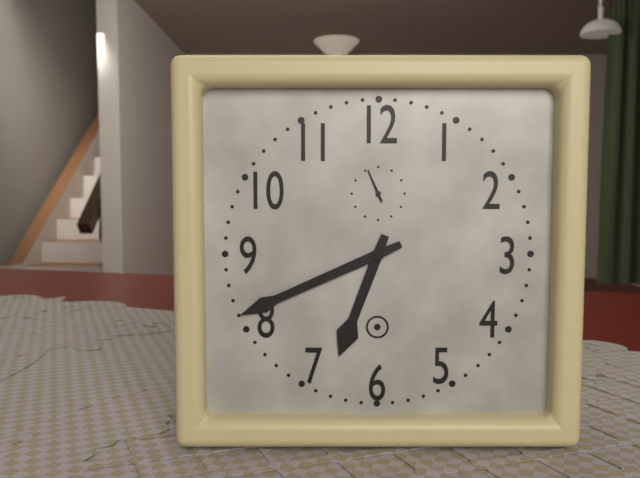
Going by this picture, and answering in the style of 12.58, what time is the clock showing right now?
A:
6.41
